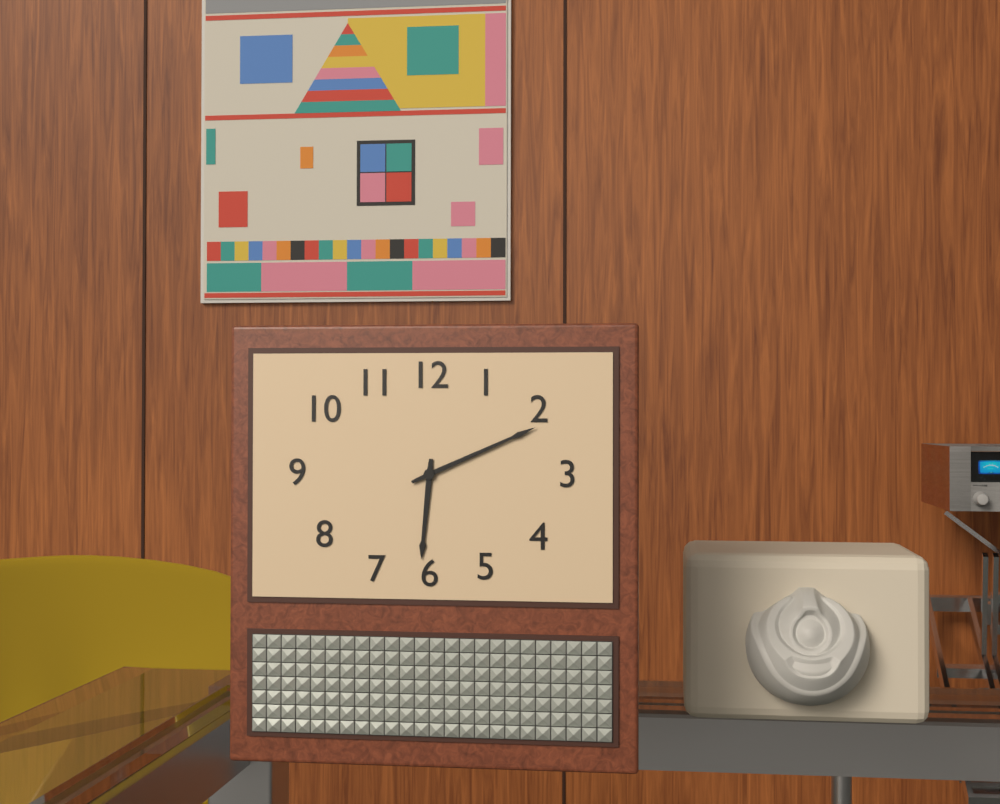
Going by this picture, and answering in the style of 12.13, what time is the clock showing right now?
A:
6.11
